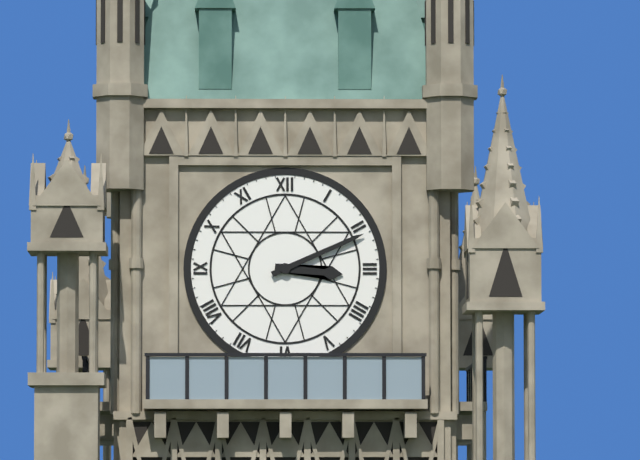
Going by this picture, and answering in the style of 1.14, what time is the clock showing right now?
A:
3.11
